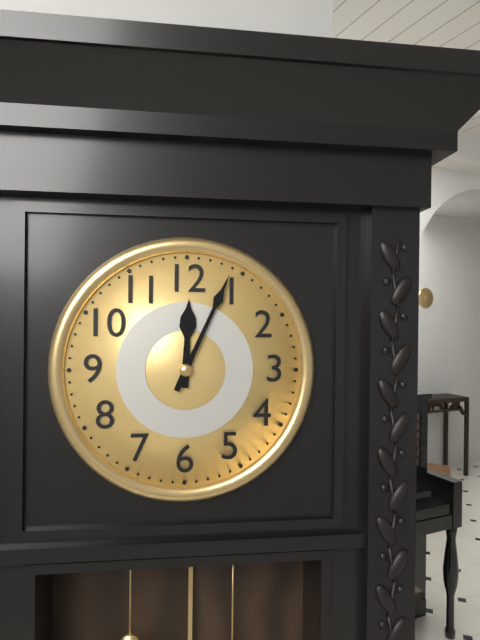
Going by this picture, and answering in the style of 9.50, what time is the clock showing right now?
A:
12.04
